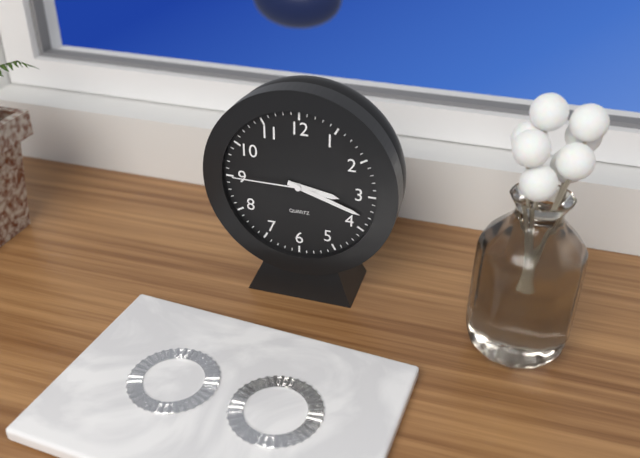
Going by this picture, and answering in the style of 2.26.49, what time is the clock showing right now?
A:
3.18.45
